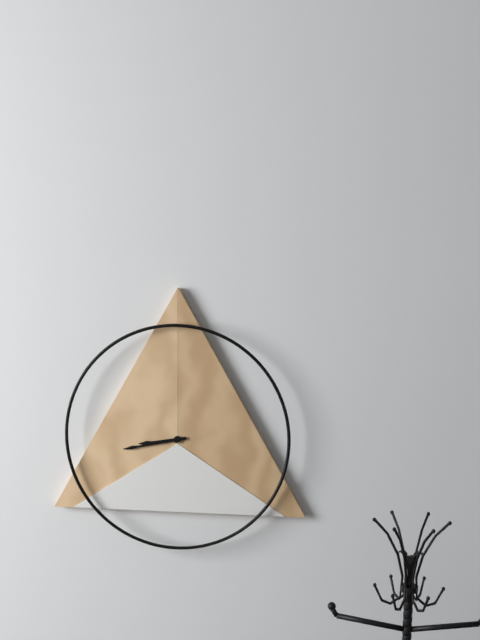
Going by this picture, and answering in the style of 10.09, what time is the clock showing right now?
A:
8.43
